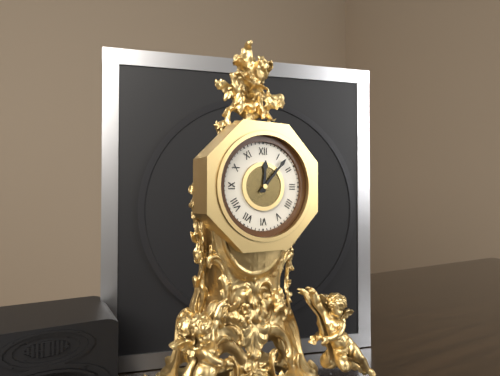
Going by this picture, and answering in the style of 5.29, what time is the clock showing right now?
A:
12.07
